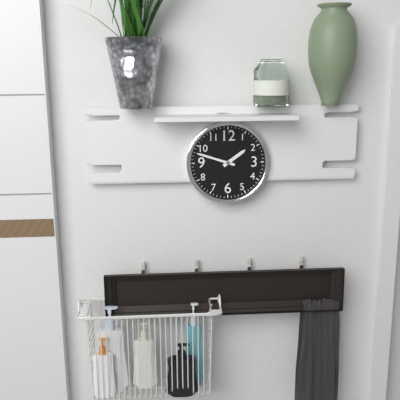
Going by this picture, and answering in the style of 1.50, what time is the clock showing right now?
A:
1.48
